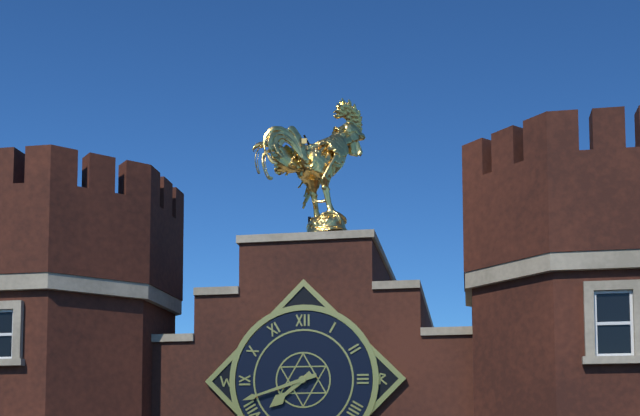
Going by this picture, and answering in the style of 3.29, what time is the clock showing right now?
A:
7.42
